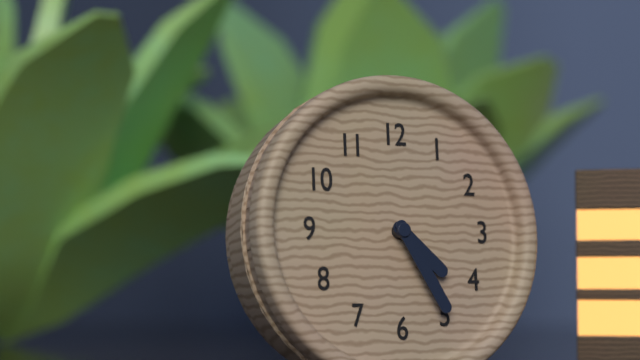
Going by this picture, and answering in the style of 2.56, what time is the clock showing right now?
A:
4.25
